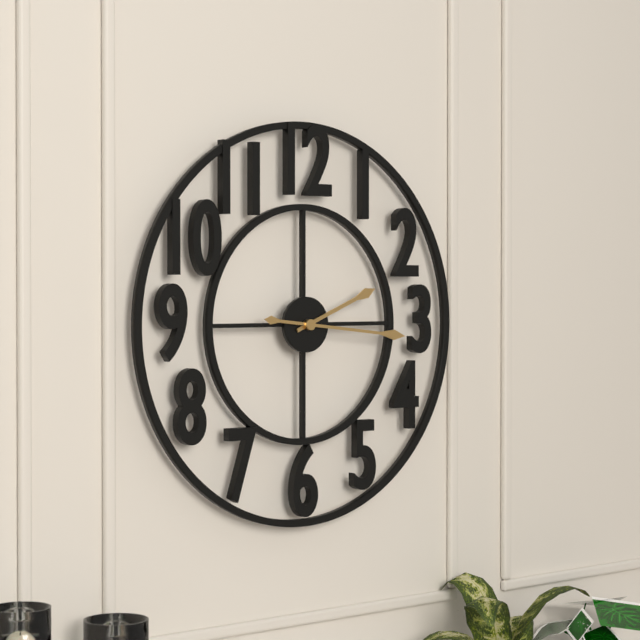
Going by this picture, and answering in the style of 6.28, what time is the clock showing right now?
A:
2.16
